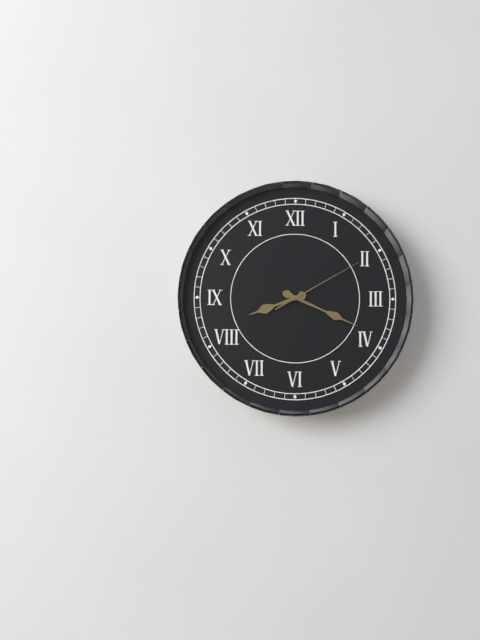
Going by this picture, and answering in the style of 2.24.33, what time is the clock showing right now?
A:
8.19.10
